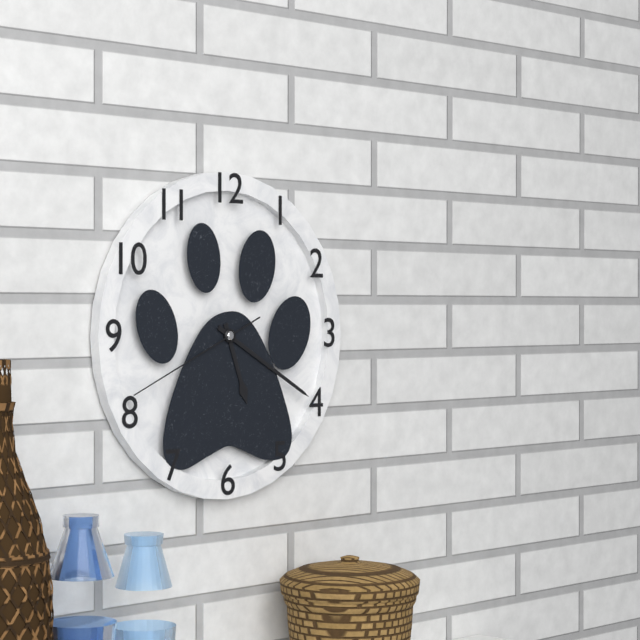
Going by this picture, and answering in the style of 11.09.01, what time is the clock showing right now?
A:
5.20.41
